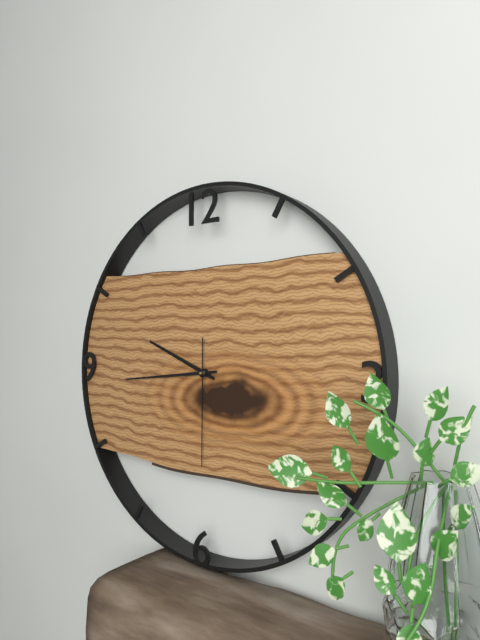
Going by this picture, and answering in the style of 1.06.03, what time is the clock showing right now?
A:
9.44.30
